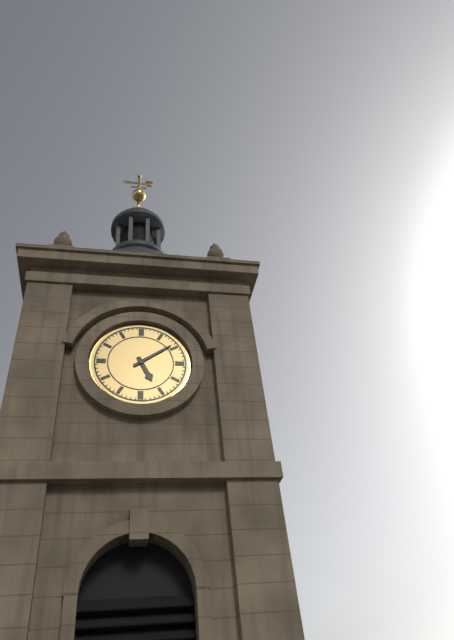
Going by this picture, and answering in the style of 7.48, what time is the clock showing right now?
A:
5.09
